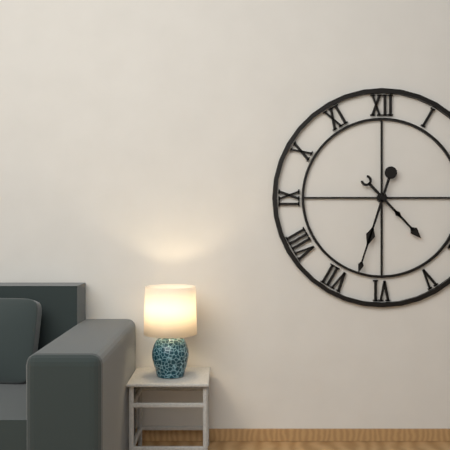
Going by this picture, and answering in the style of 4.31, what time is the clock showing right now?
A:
4.33
